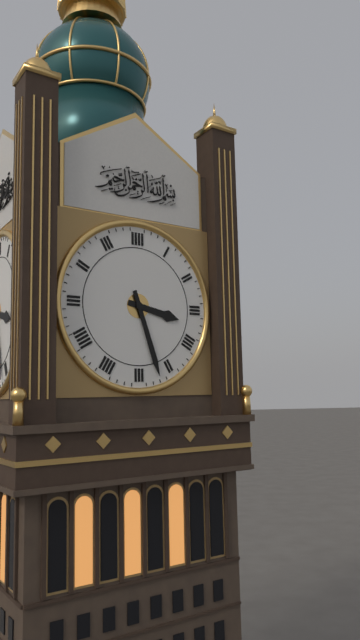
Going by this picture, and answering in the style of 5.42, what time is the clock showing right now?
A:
3.27
